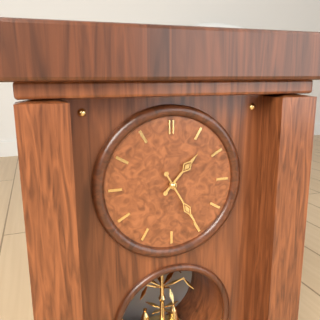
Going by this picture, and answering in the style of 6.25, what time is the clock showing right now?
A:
1.25
